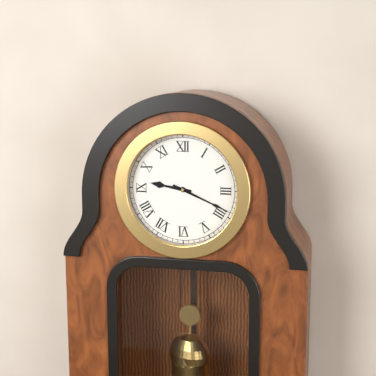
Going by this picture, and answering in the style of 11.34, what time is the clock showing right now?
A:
9.19
